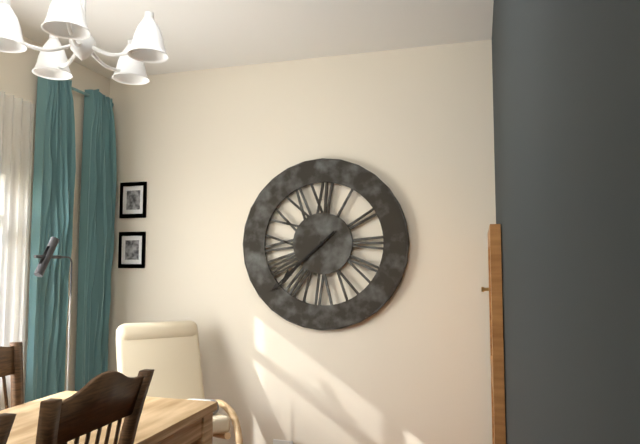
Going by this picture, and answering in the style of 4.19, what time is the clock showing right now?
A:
7.38
